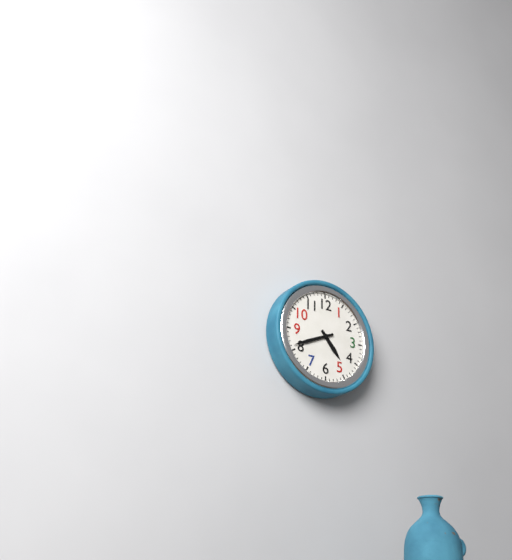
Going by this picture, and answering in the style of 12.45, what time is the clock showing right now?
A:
4.41
